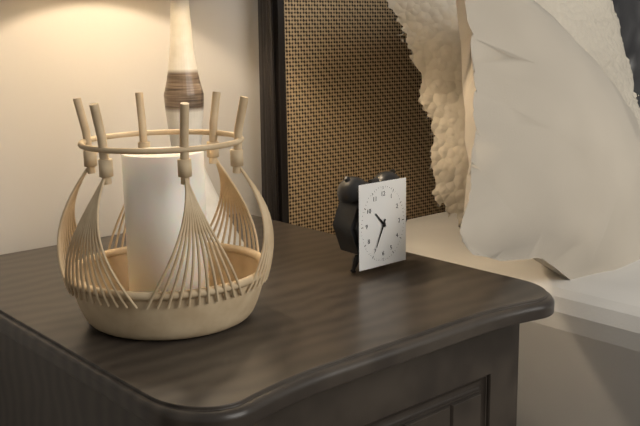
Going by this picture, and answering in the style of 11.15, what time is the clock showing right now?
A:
10.34
